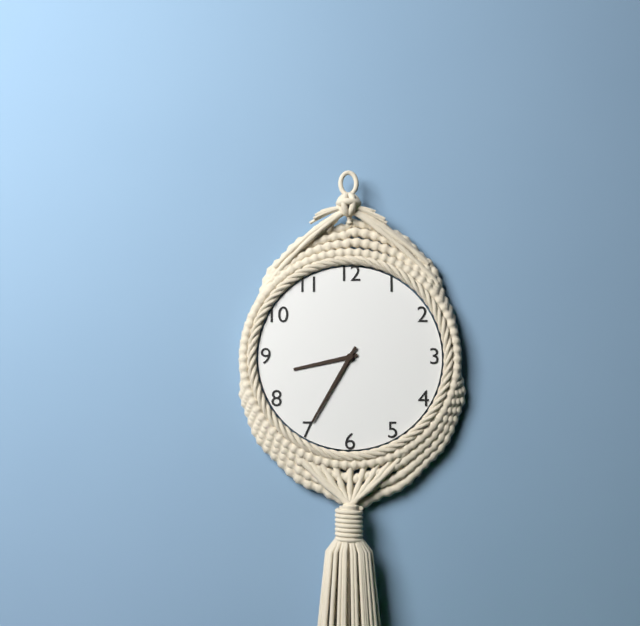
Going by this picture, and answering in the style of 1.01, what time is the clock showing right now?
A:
8.35
